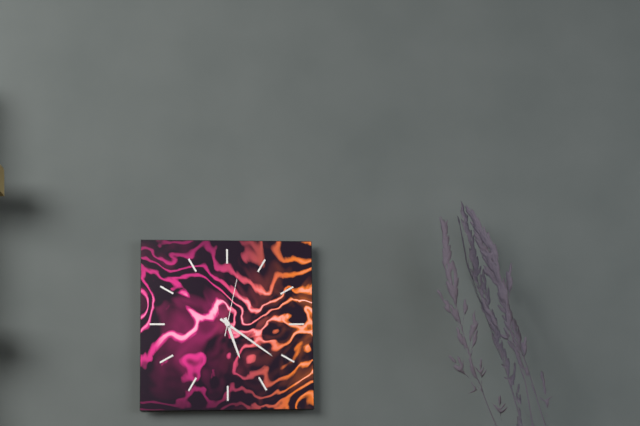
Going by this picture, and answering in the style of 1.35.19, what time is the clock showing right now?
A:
5.21.02
